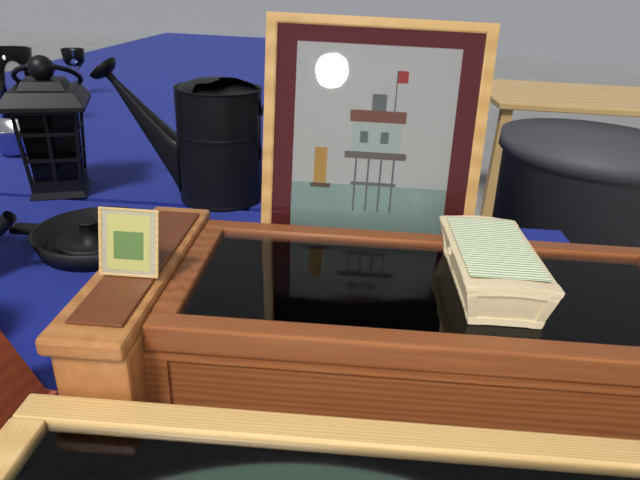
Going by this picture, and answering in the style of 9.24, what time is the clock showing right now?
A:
10.18
